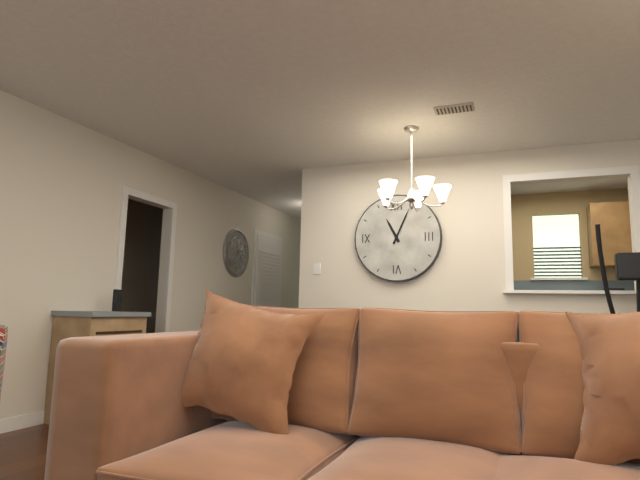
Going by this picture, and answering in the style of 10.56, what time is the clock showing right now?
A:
11.04
